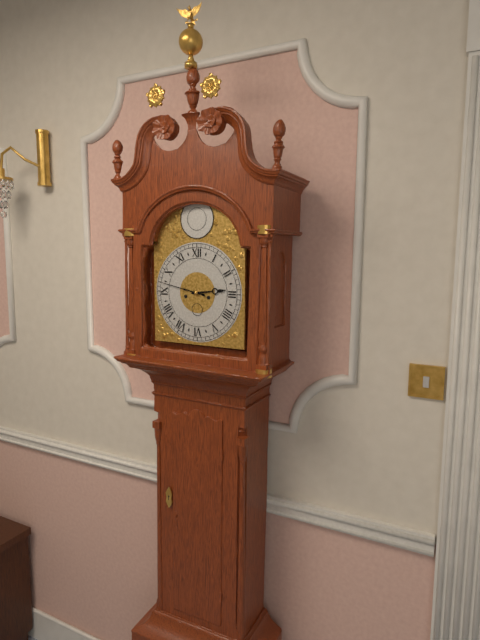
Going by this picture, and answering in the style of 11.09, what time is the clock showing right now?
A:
2.47
